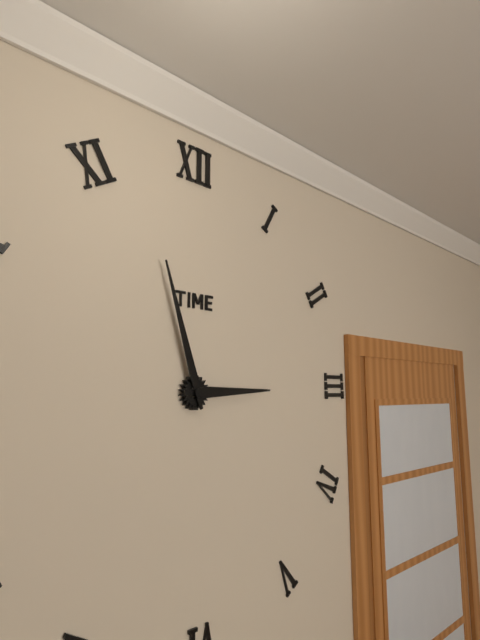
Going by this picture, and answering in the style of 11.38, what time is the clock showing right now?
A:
2.57
